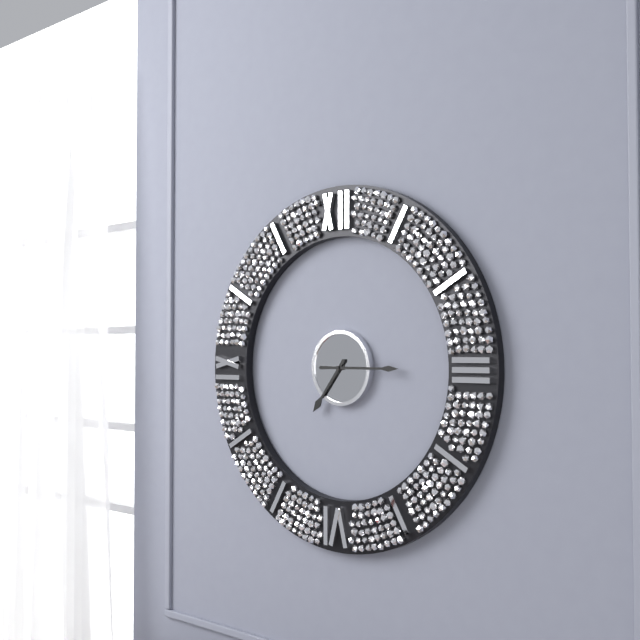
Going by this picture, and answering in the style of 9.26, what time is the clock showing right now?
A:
7.15
